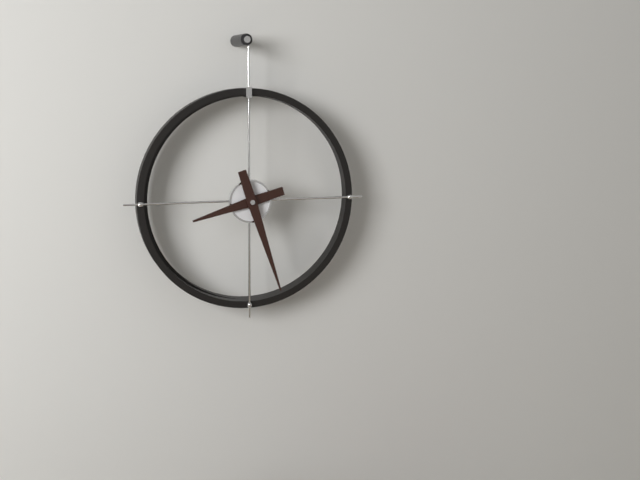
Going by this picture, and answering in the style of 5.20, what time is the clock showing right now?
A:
8.27
